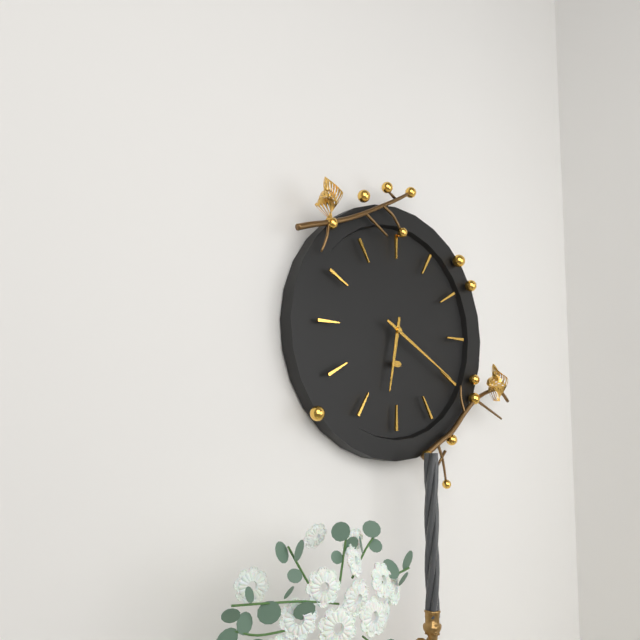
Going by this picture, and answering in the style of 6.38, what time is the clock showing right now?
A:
6.20
